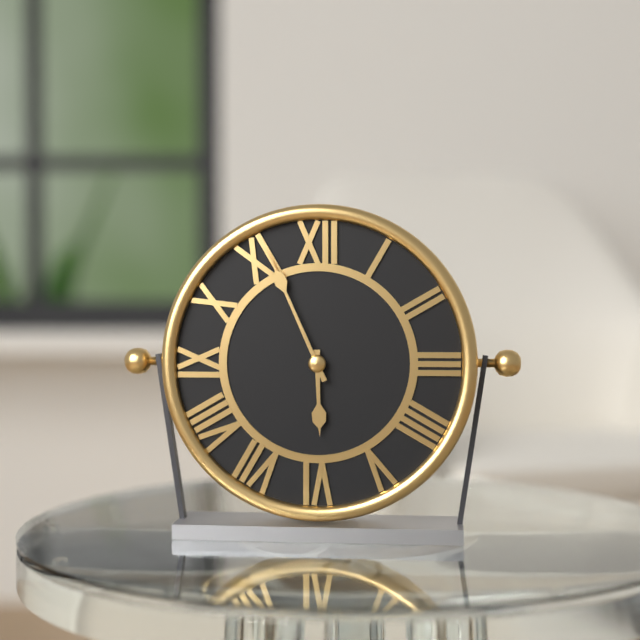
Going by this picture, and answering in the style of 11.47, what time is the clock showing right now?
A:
5.56
